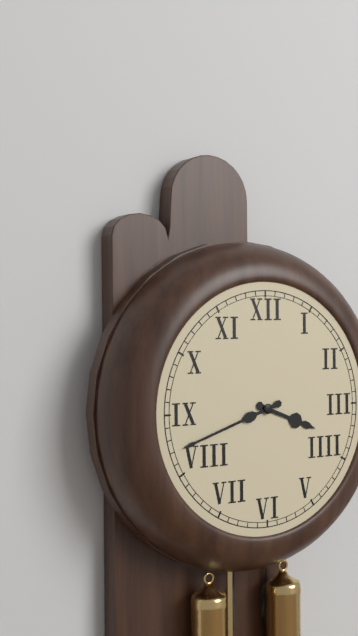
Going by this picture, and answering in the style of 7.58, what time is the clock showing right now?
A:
3.42
